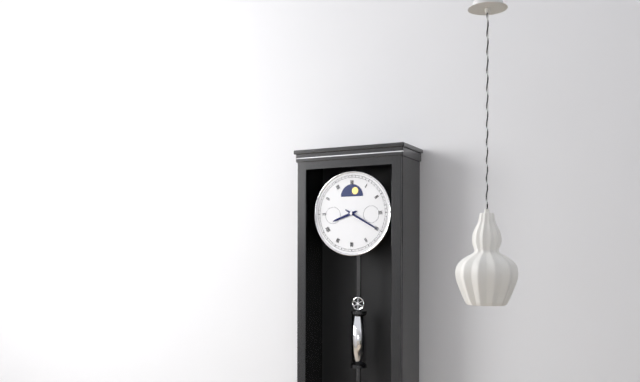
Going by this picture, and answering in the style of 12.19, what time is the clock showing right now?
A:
8.20
